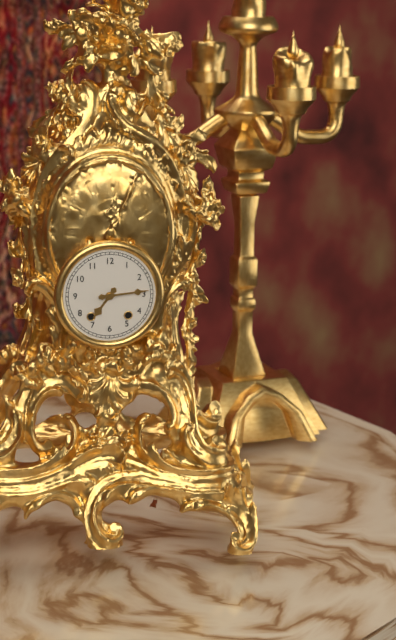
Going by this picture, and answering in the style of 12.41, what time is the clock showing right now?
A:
7.14
